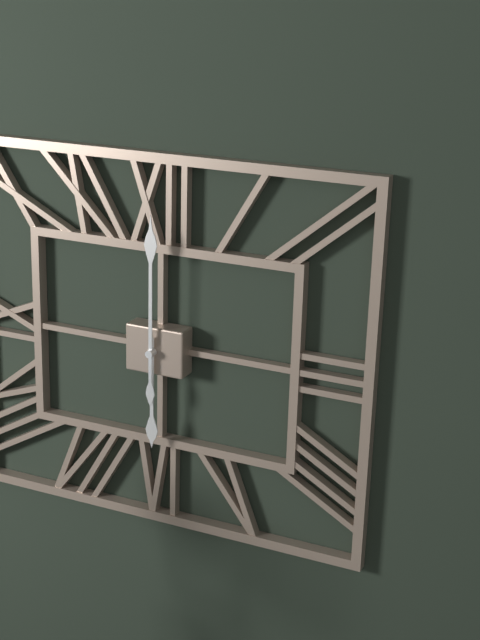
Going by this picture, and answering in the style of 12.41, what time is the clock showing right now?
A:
6.00
